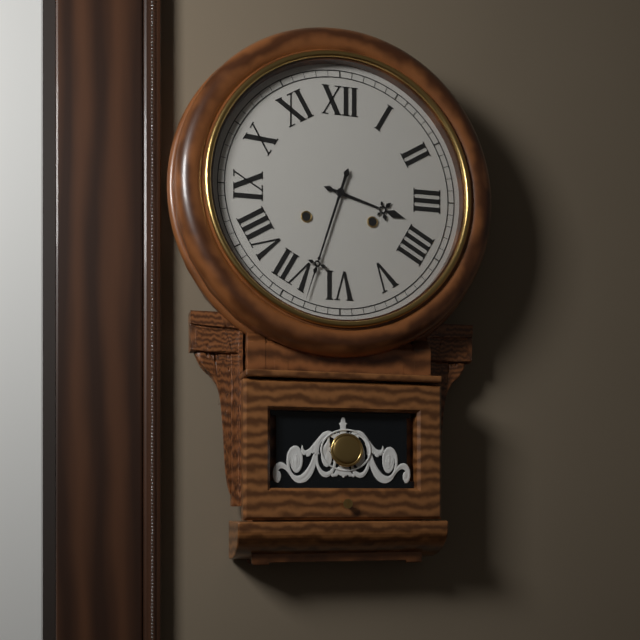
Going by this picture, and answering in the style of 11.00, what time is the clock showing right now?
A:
3.33
